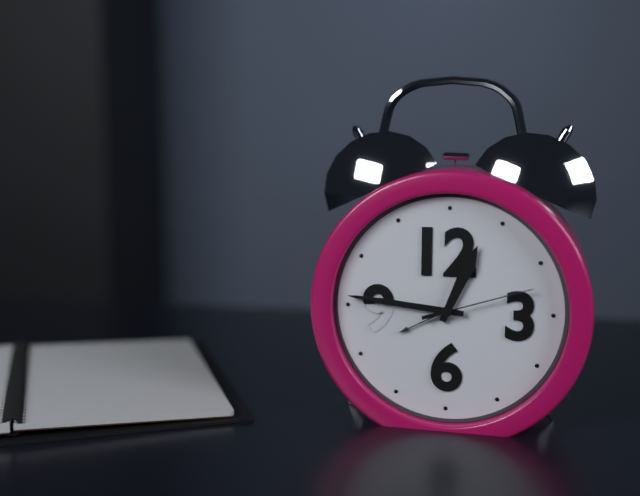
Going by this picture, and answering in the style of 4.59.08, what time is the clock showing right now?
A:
12.46.12
